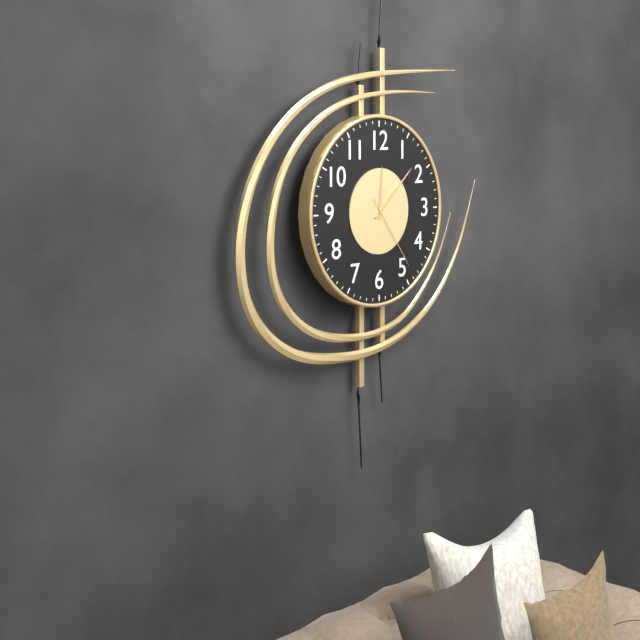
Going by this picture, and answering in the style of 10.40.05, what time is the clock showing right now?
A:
12.08.24
